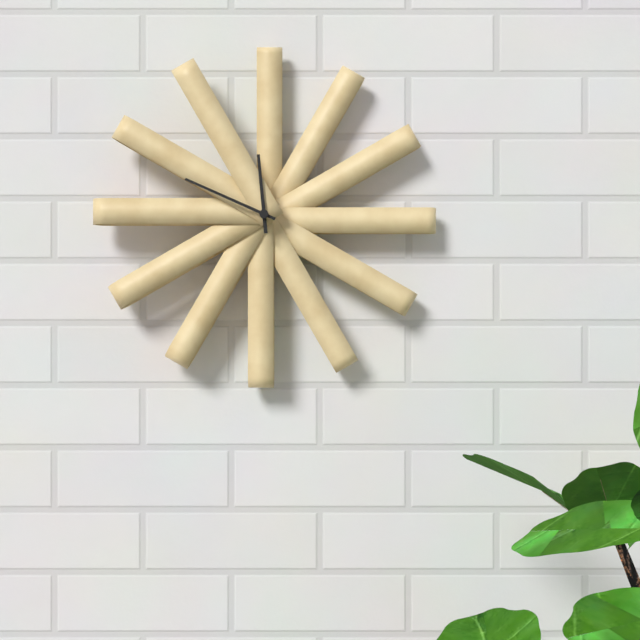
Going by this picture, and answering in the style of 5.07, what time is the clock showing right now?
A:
11.49
